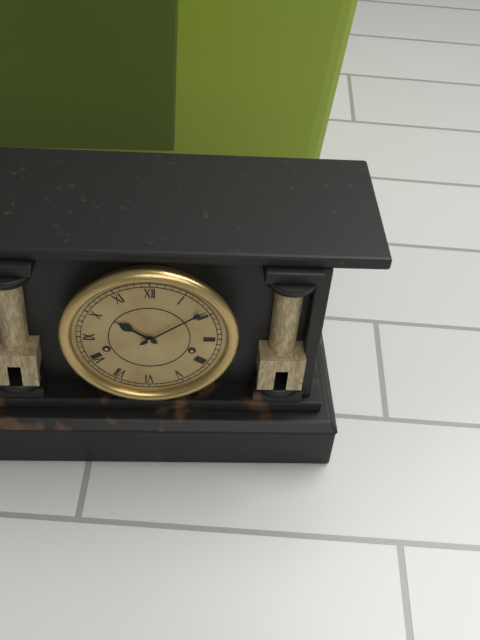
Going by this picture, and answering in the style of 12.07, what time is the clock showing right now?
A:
10.09
